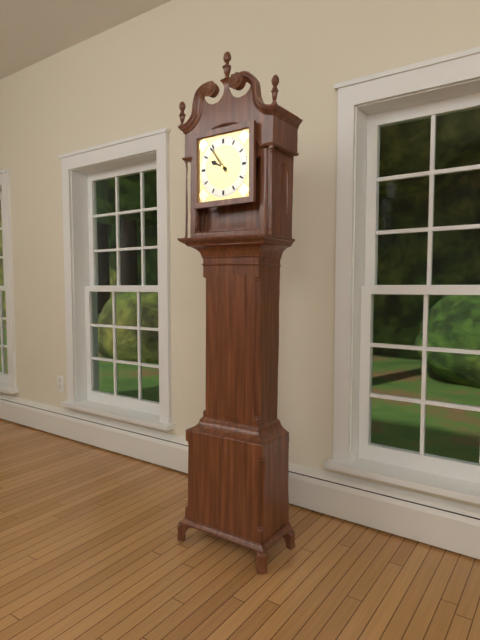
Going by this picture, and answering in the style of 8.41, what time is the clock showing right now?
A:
9.54
